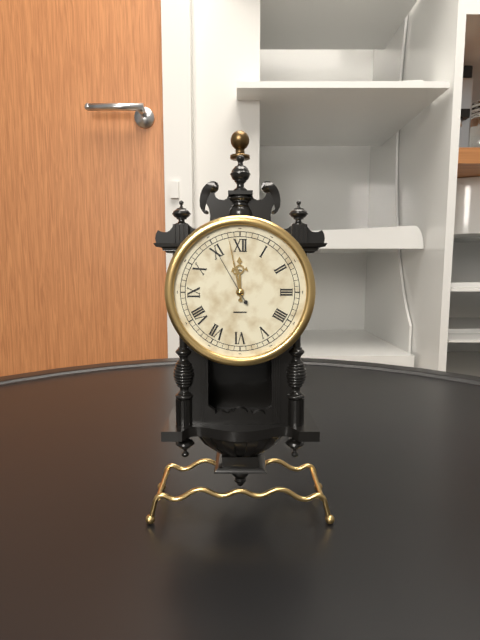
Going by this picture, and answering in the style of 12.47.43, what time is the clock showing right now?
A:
11.58.55
